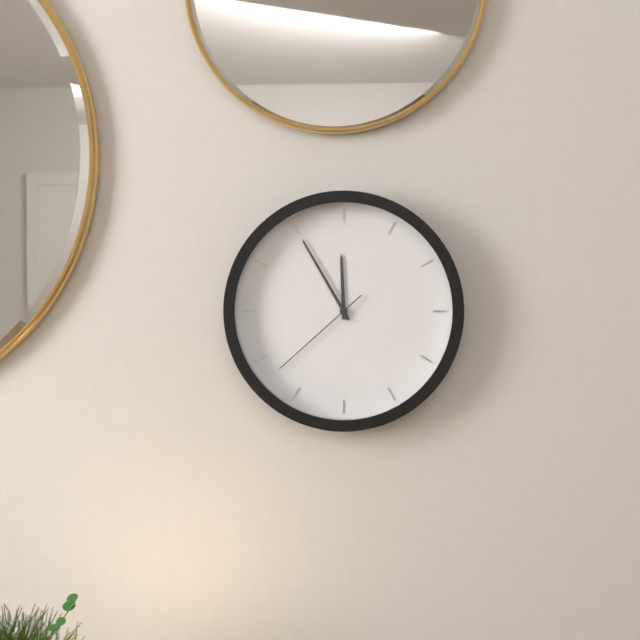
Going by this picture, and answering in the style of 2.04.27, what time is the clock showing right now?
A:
11.55.38
